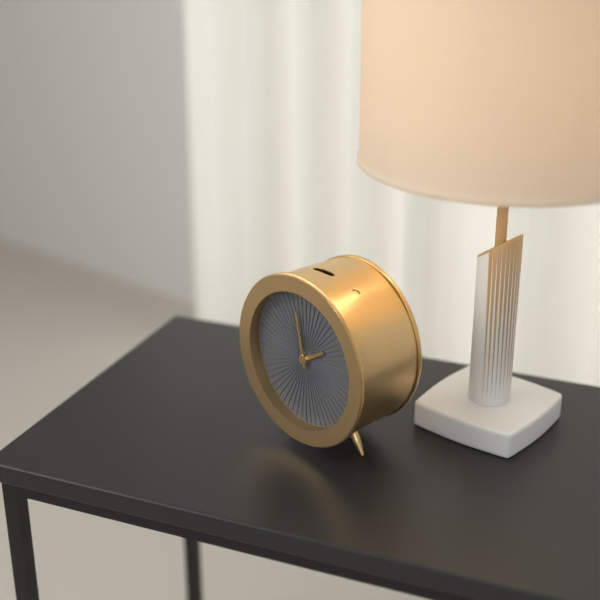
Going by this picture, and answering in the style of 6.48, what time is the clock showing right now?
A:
1.58
